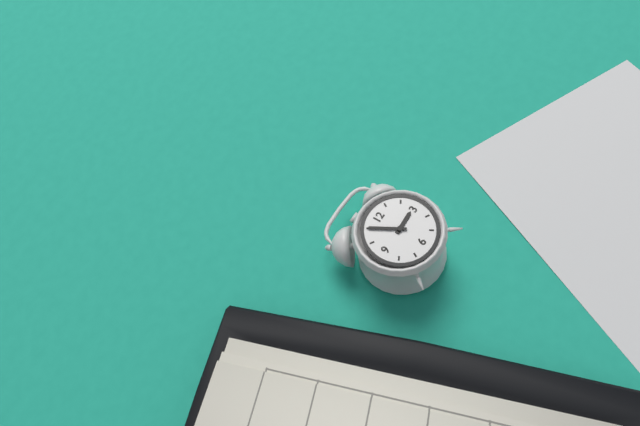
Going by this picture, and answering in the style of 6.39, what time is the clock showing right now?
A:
2.55
